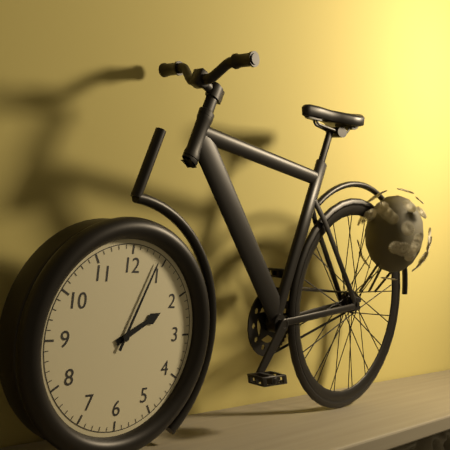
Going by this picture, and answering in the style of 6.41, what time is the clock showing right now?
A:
2.04
